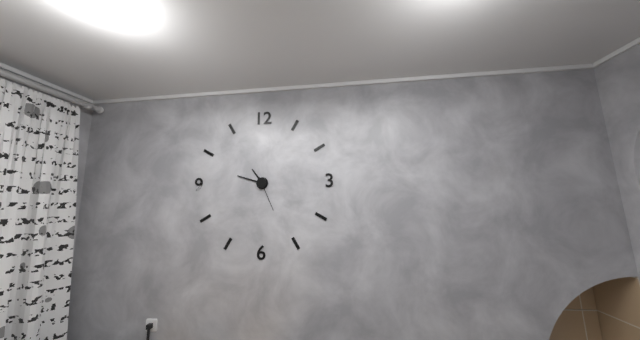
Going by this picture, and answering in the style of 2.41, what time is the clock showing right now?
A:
10.48
